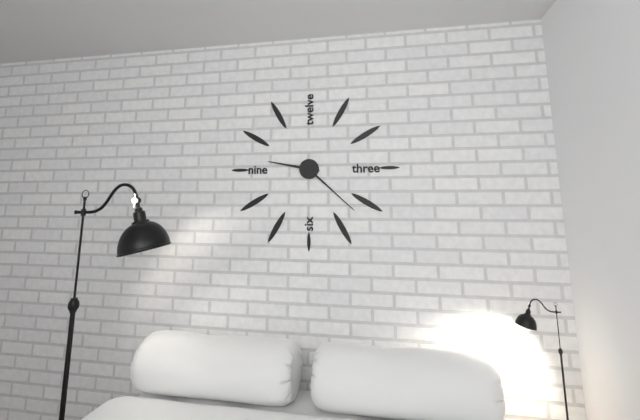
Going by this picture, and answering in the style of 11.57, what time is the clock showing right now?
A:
9.22
